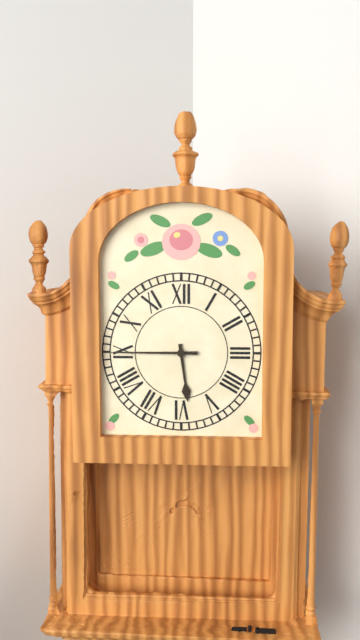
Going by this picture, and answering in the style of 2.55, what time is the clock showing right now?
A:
5.45
